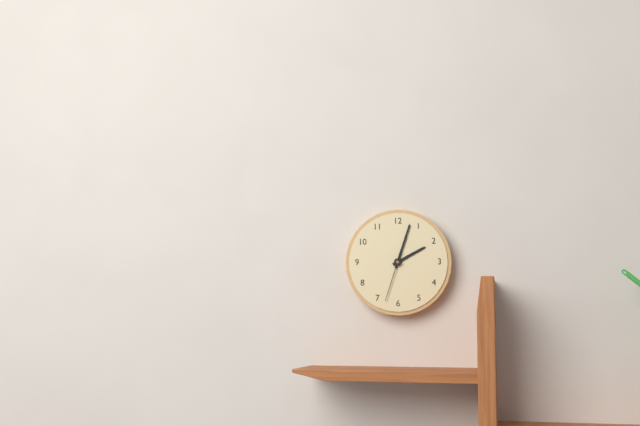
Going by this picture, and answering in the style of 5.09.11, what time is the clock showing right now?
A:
2.03.33
